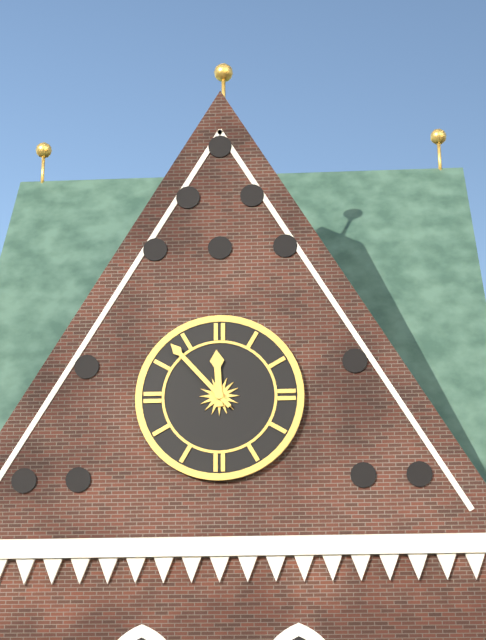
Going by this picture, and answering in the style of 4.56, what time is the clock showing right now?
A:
11.53
